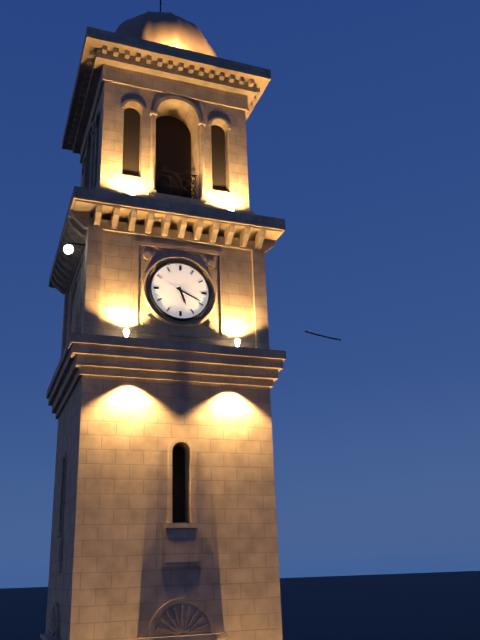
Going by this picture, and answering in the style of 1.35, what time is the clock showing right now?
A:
5.19
